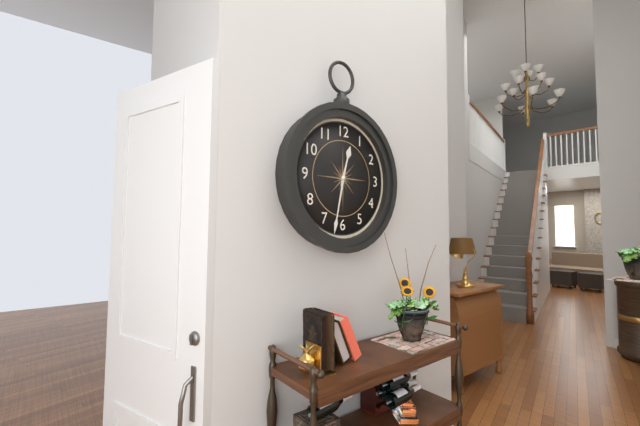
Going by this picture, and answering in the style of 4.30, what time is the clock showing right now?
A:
12.32
